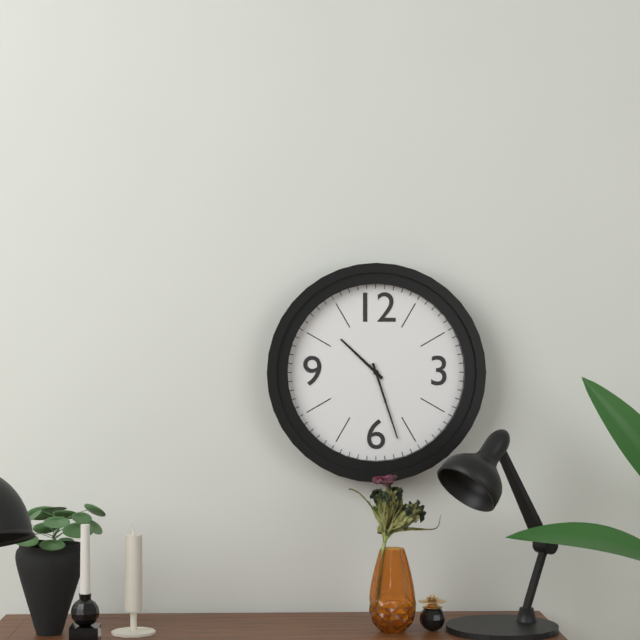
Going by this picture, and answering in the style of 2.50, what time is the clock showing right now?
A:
10.27
